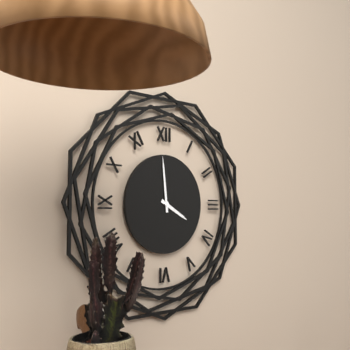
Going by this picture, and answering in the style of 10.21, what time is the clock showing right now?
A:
3.59
